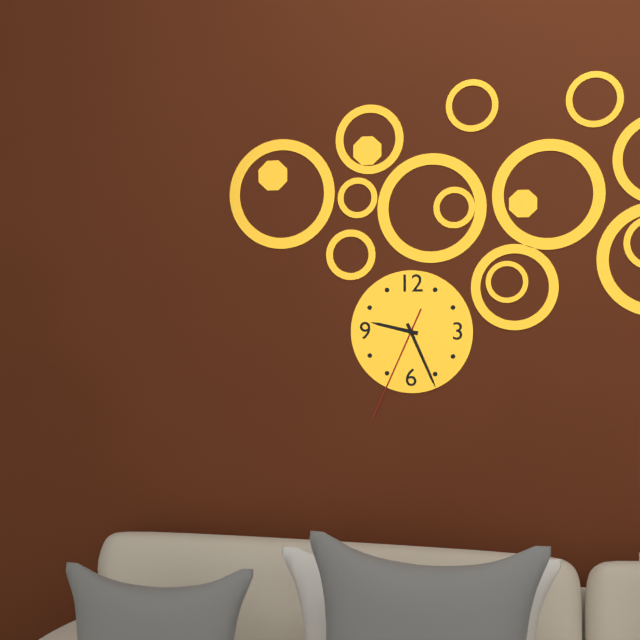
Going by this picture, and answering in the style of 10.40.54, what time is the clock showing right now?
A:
9.26.34
